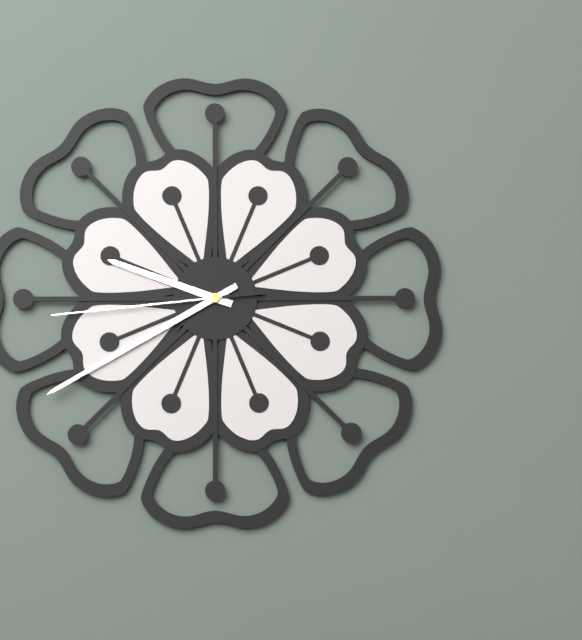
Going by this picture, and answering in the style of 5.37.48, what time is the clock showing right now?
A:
9.40.44
